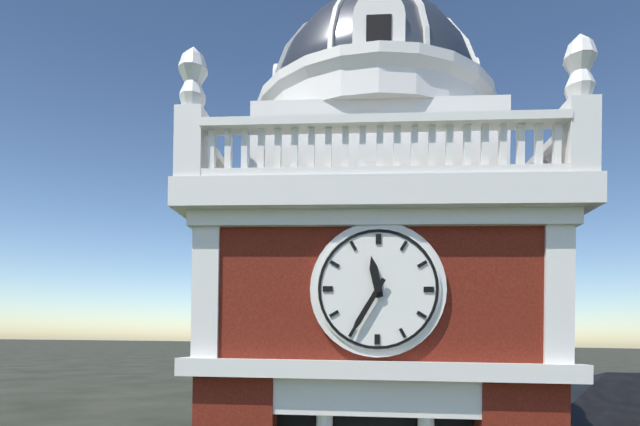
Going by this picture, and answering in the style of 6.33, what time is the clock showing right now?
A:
11.35
